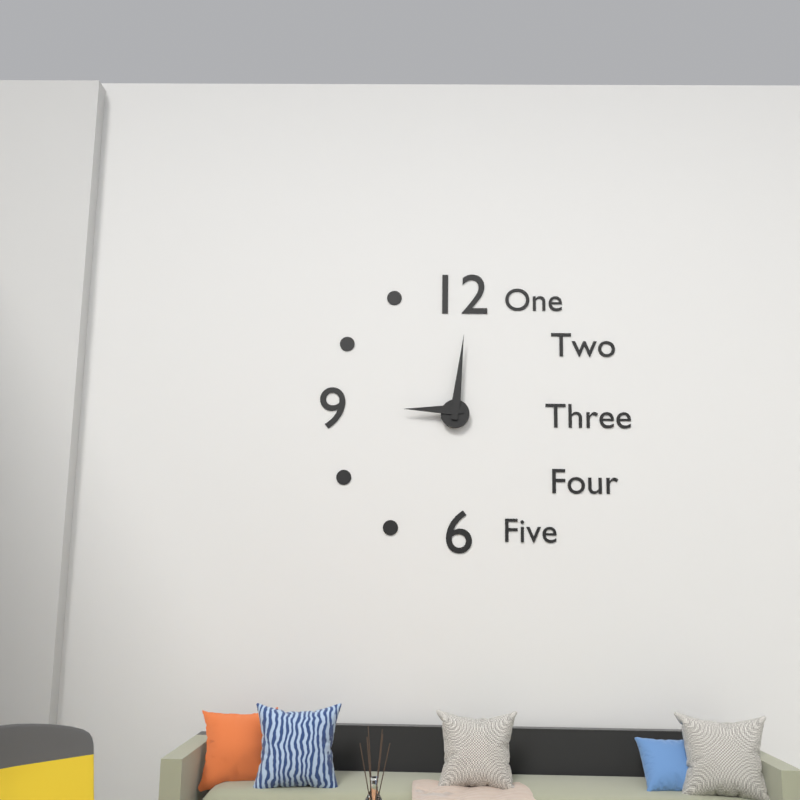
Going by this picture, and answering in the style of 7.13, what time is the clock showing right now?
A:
9.01
